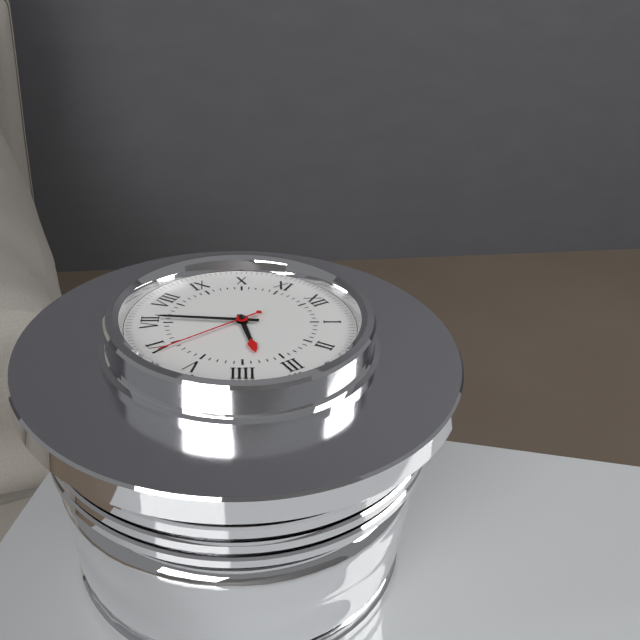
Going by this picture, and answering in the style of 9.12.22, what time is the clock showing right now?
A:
3.36.29
